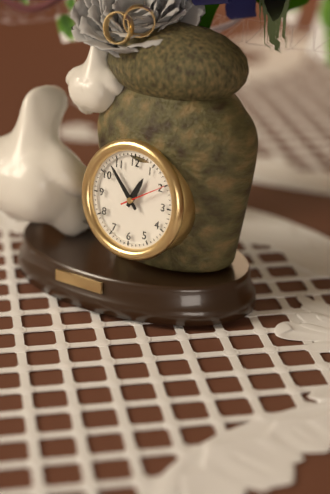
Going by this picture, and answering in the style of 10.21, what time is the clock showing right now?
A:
12.53
